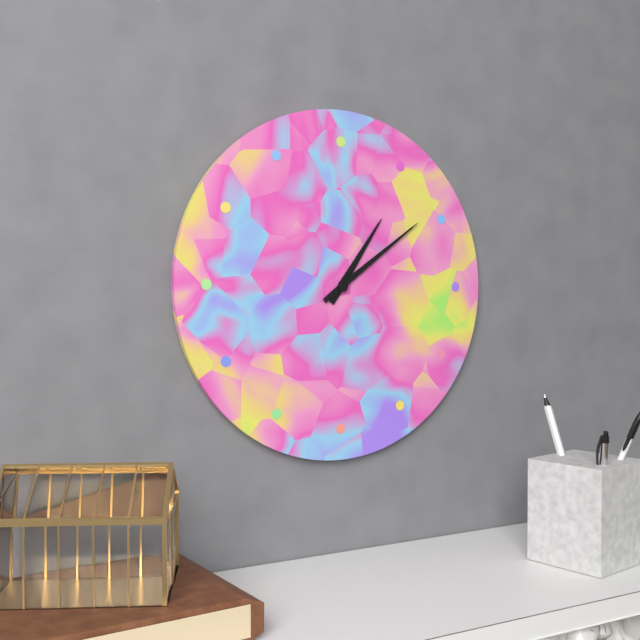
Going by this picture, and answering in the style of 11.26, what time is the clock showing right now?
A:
1.09
